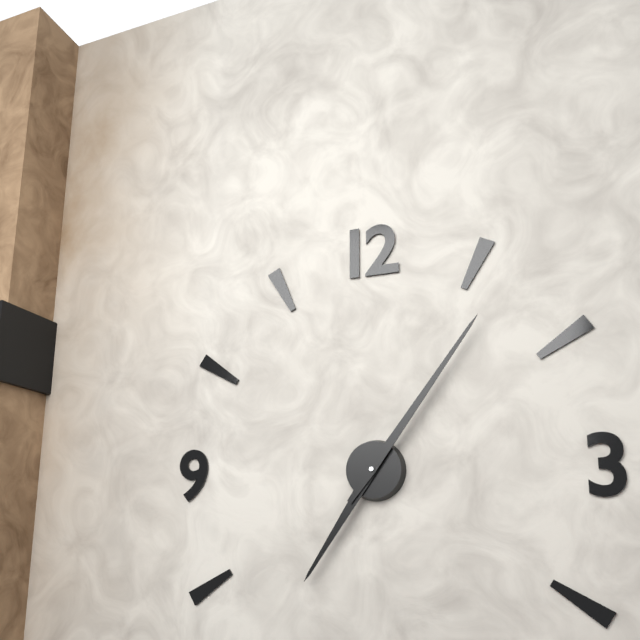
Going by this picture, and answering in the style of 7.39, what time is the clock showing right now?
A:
7.06
